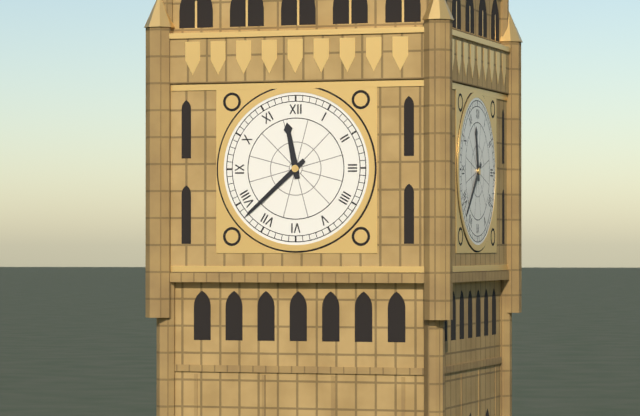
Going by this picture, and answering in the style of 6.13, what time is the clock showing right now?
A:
11.38
